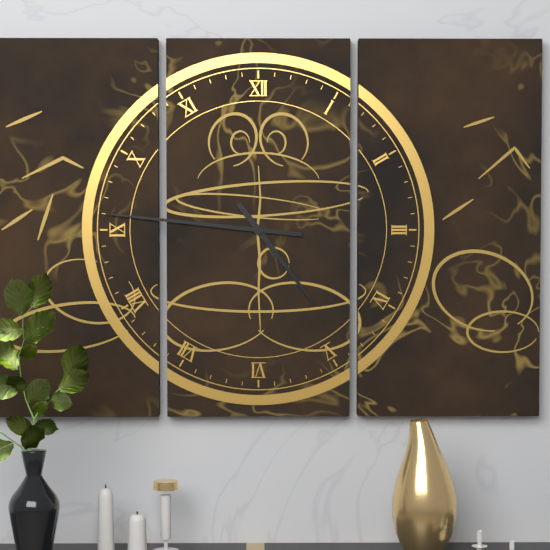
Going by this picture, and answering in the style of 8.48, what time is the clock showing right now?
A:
4.46
